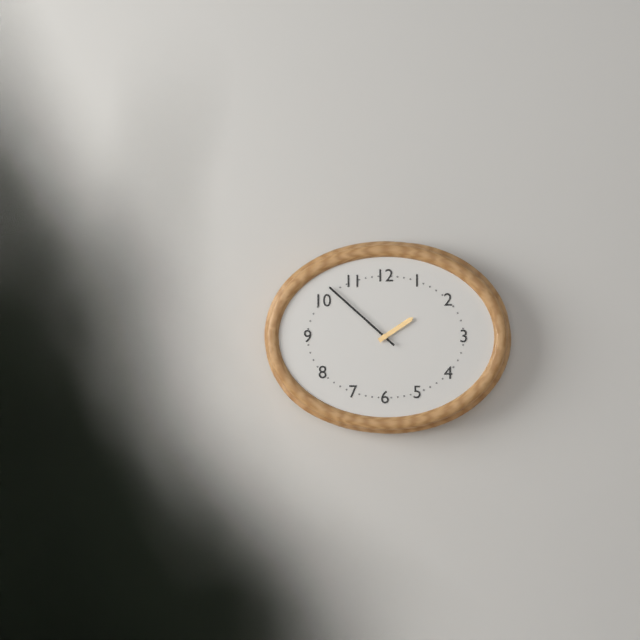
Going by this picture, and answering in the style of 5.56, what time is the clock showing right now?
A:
1.52
